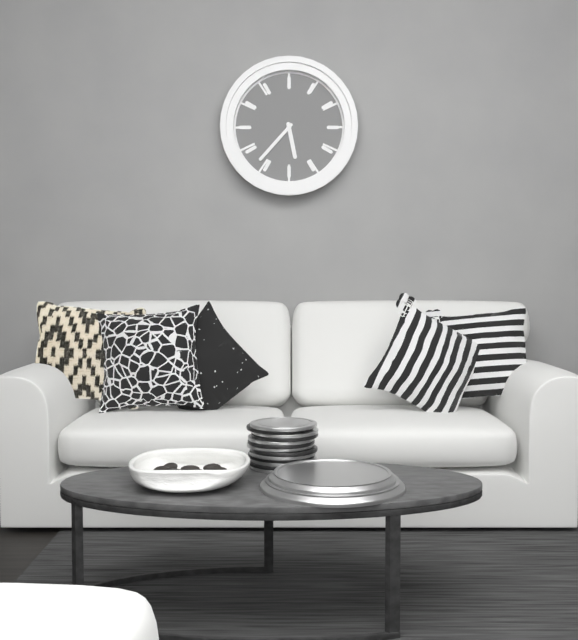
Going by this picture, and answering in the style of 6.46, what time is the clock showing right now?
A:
5.37
